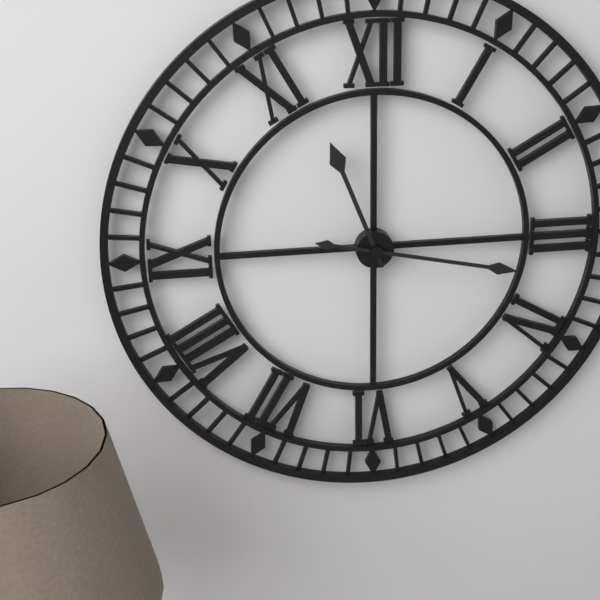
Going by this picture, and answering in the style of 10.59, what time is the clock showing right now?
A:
11.17
